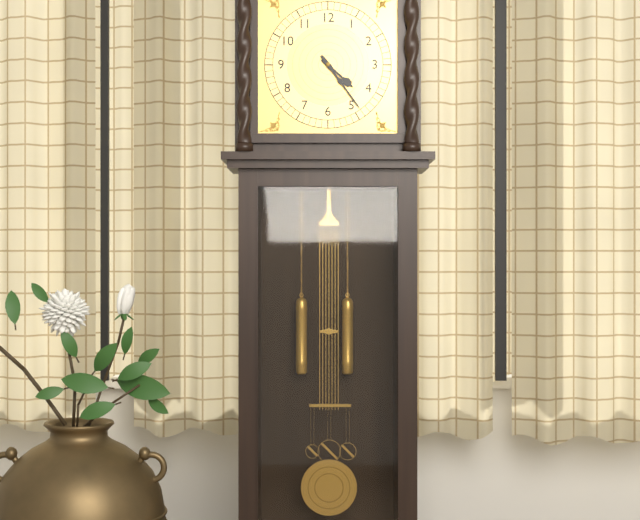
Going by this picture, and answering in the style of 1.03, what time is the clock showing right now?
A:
4.24
